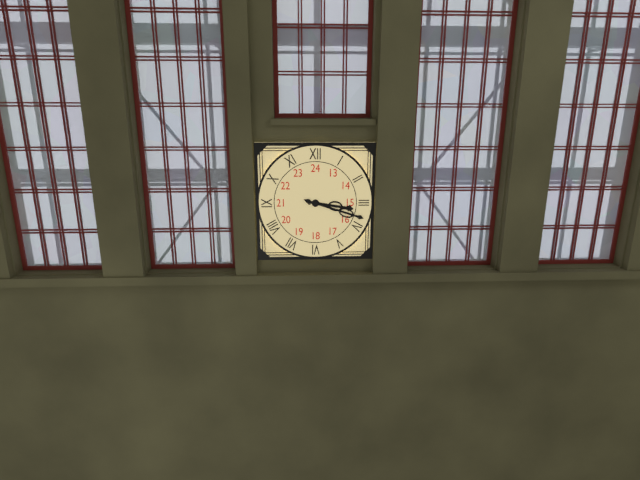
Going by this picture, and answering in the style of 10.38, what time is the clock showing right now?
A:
3.18
